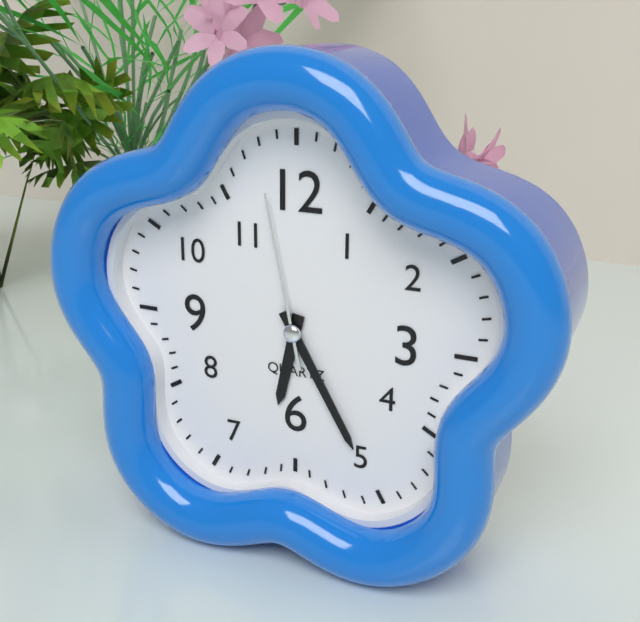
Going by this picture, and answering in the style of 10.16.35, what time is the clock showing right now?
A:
6.25.58
